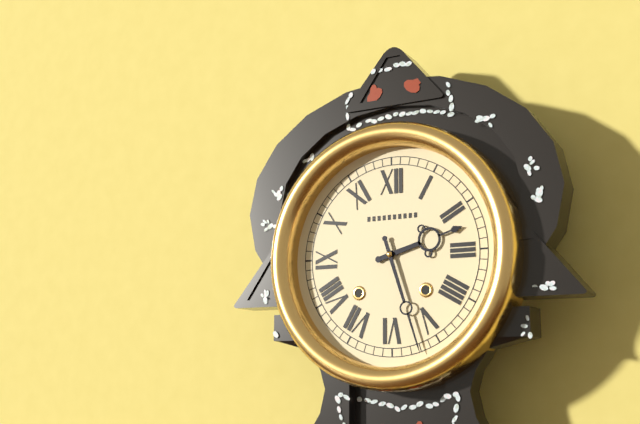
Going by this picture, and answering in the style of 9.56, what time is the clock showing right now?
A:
2.27
